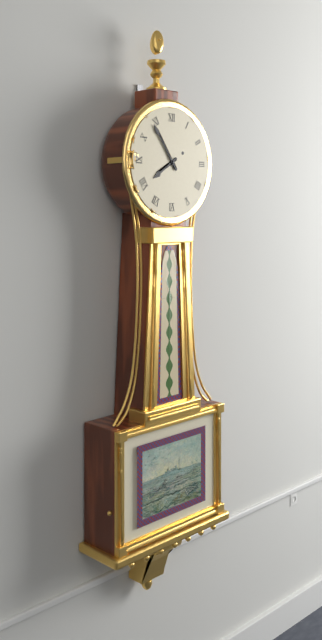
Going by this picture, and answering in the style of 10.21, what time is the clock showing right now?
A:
7.54
